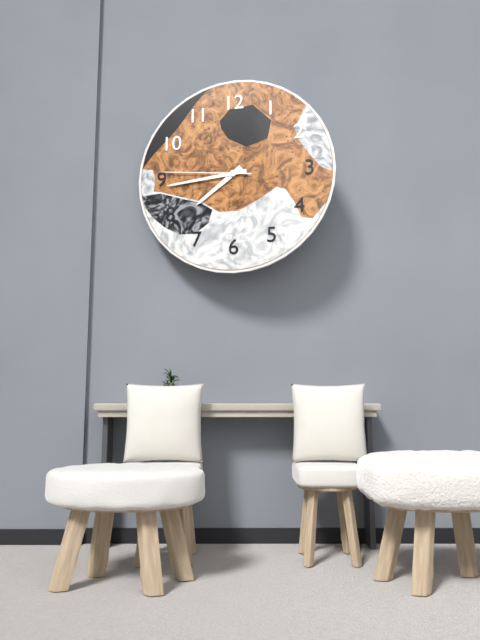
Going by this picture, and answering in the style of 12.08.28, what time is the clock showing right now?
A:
7.44.46
